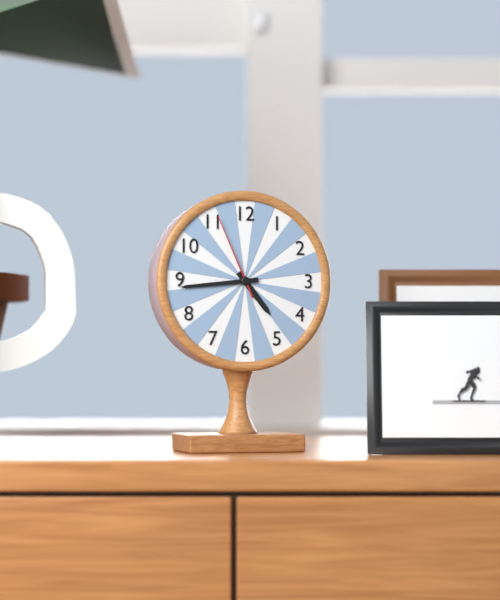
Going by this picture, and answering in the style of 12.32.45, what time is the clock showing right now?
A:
4.44.56
